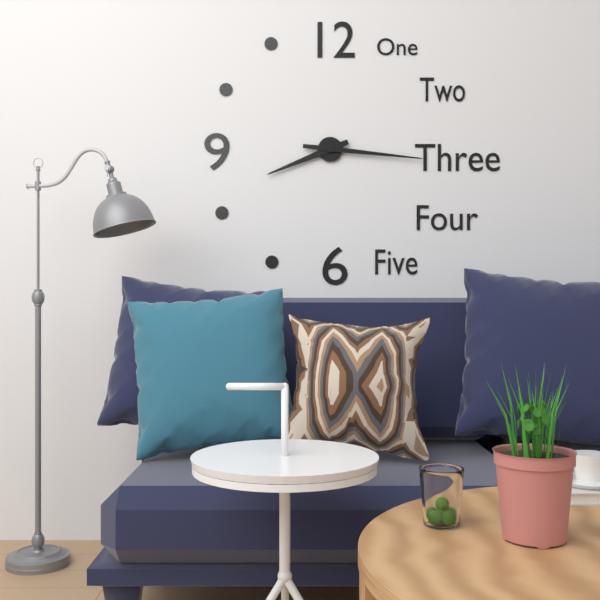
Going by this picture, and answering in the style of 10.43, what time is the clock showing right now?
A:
8.16
